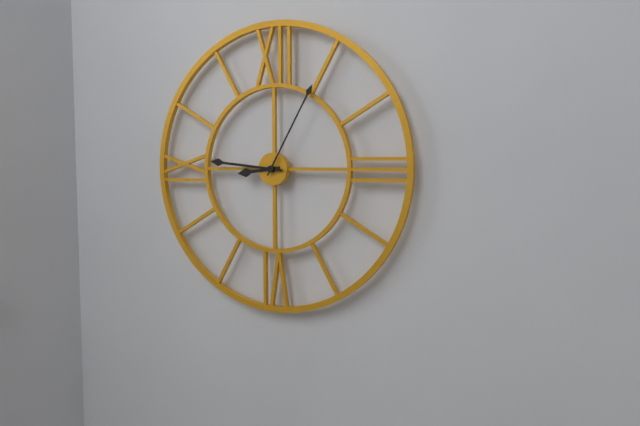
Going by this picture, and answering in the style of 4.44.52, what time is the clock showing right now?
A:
8.46.05
